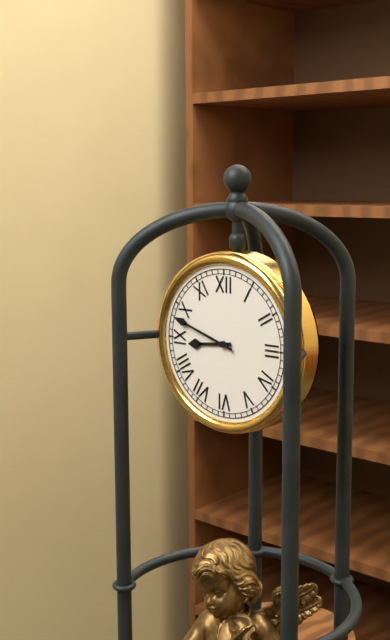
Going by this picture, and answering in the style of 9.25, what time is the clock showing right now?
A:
8.48
